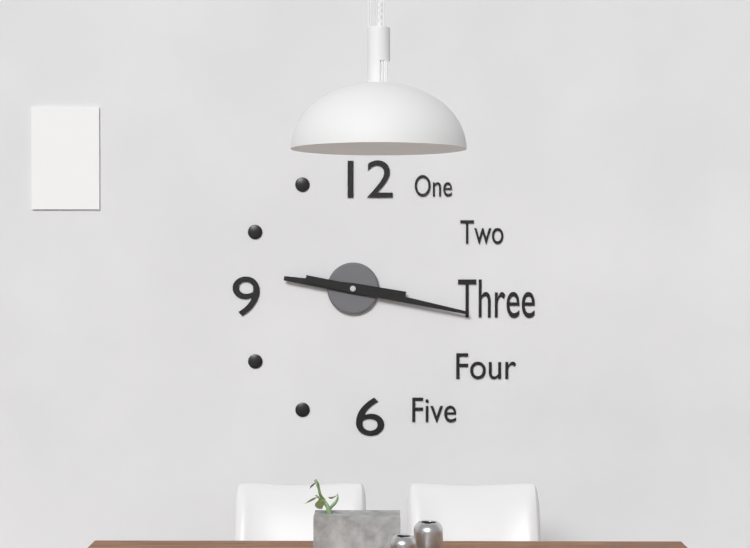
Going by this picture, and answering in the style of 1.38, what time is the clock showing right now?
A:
9.17
